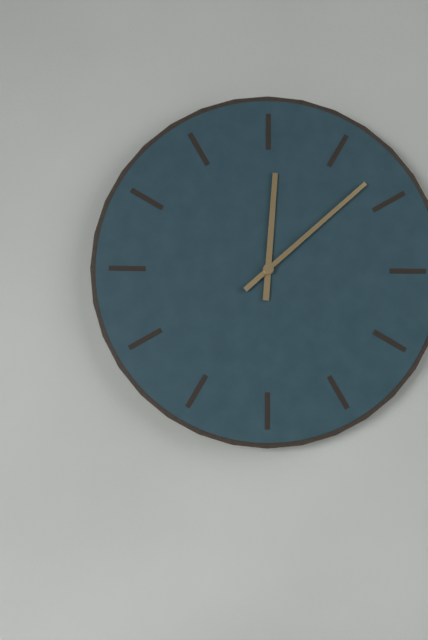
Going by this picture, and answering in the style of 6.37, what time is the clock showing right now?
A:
12.08
